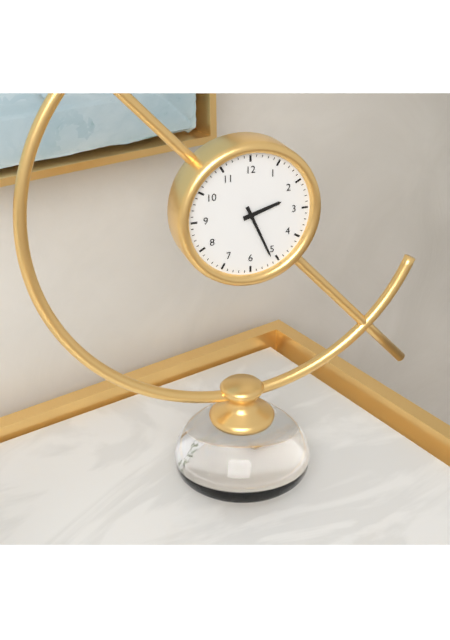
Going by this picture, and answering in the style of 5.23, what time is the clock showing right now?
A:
2.26
